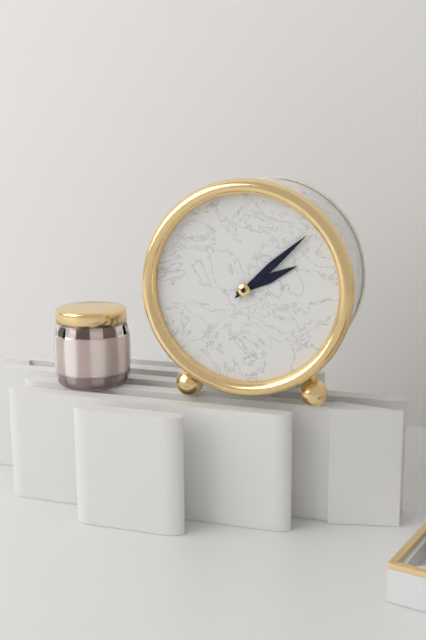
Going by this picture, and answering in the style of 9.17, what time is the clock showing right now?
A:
2.08
